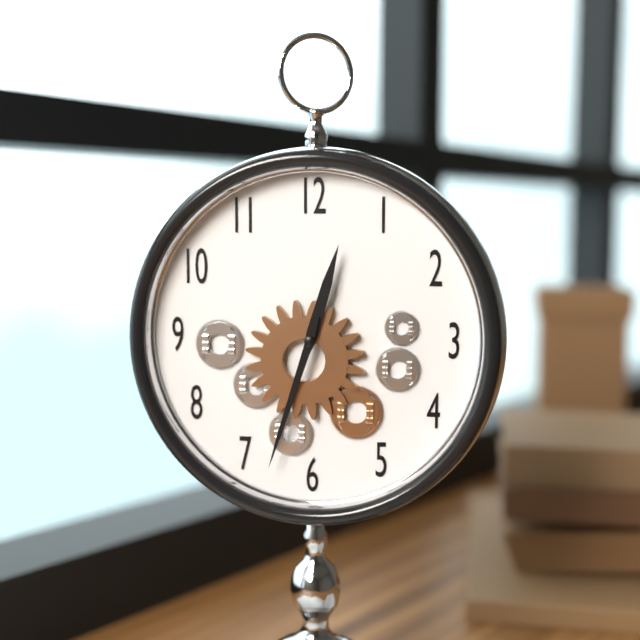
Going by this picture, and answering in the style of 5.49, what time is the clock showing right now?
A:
12.33
